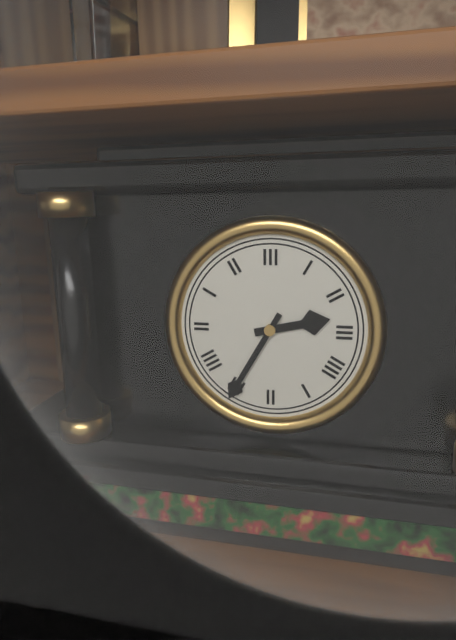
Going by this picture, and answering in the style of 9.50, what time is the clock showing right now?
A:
2.35
